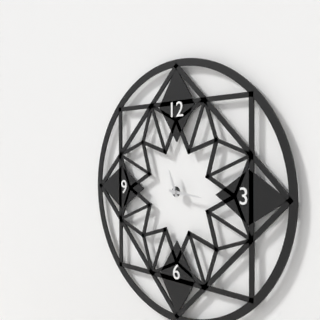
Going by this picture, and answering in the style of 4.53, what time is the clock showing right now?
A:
11.16
